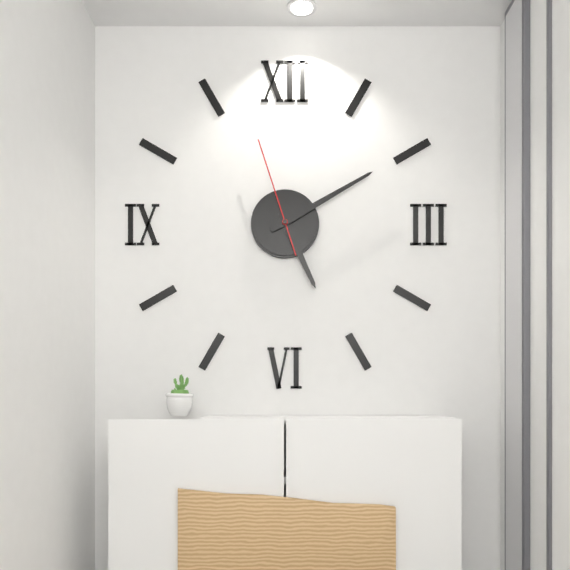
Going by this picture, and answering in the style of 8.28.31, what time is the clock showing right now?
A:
5.10.57
